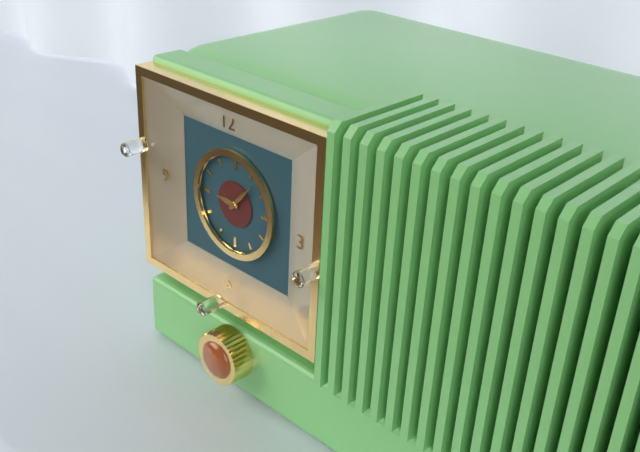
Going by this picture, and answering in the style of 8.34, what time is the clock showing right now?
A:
9.07
